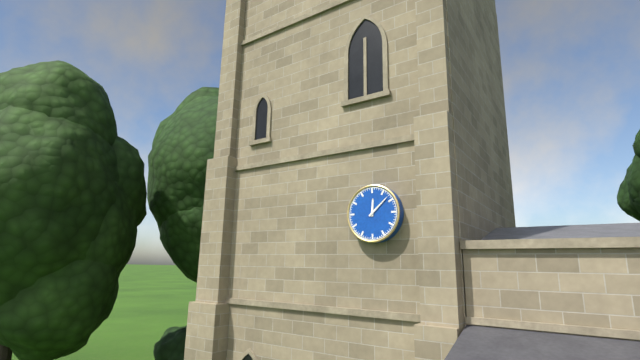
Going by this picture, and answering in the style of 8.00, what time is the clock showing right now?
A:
12.08
